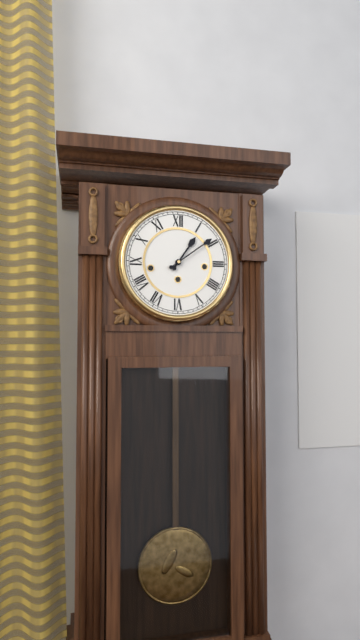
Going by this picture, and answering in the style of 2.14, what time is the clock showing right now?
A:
1.09
